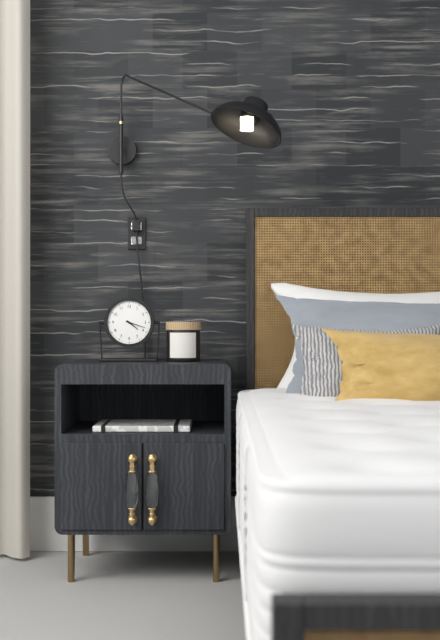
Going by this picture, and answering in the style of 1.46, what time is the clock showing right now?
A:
4.18
